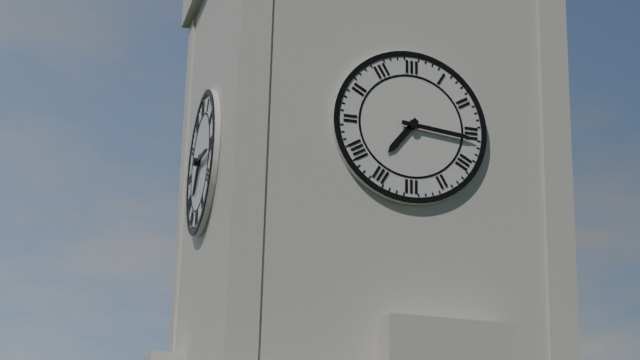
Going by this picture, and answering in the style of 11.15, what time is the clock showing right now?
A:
7.16
